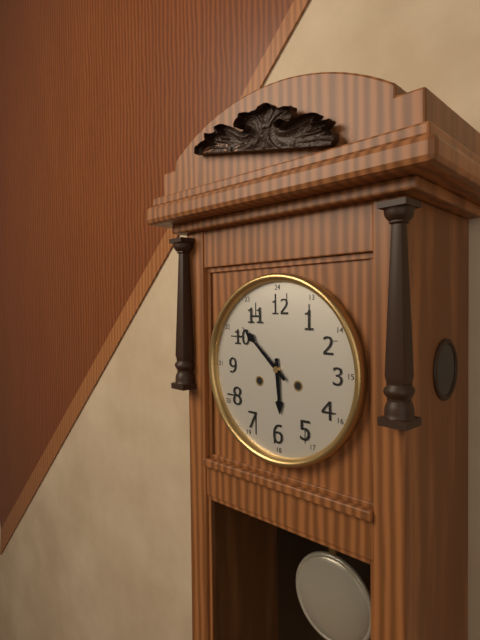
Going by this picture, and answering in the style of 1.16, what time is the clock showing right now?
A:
5.52
